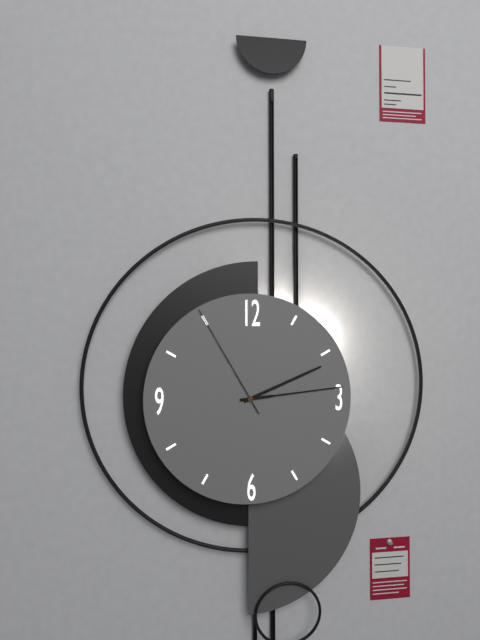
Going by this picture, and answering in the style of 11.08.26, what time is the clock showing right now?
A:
2.14.55
